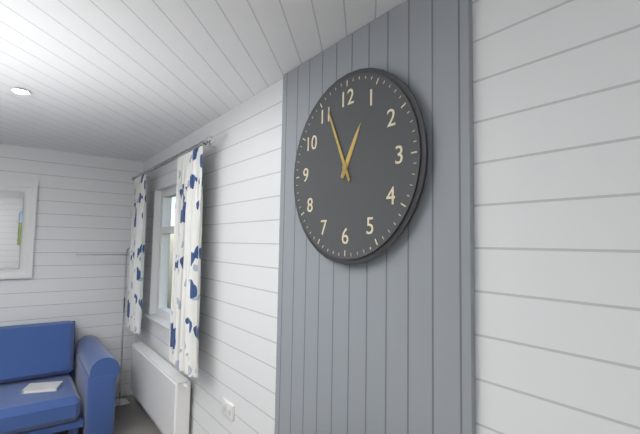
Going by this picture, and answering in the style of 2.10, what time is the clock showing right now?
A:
12.56
